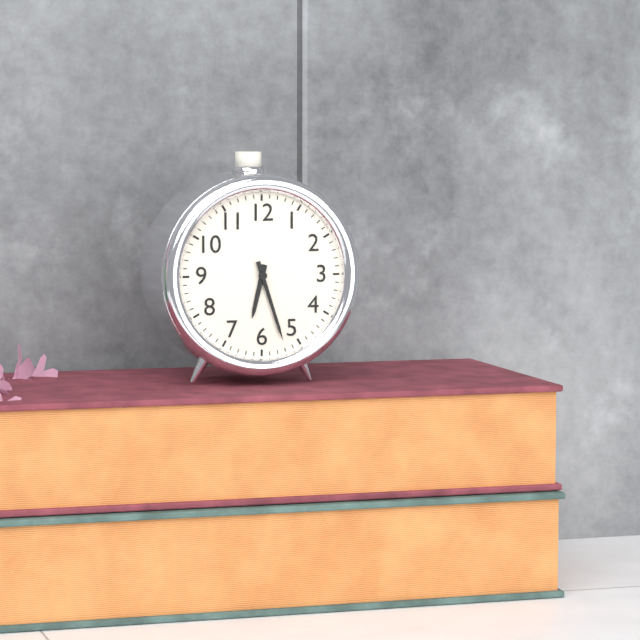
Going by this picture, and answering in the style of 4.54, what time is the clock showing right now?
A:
6.27
